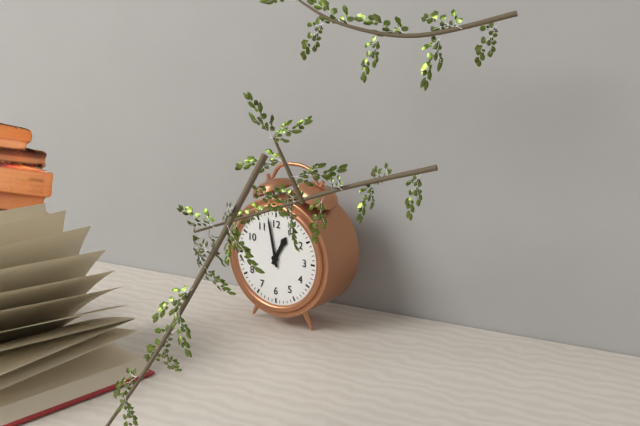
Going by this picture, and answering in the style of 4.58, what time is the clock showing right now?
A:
12.58
